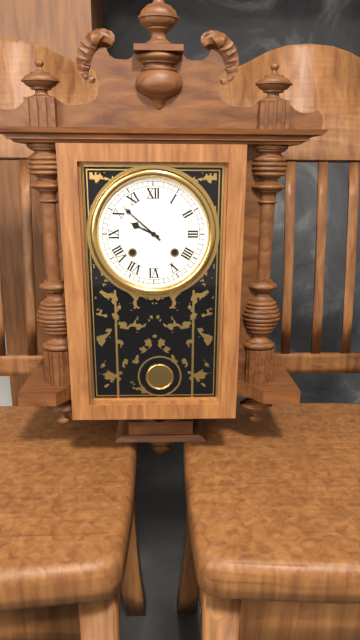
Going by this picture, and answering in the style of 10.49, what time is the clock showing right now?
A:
9.52
